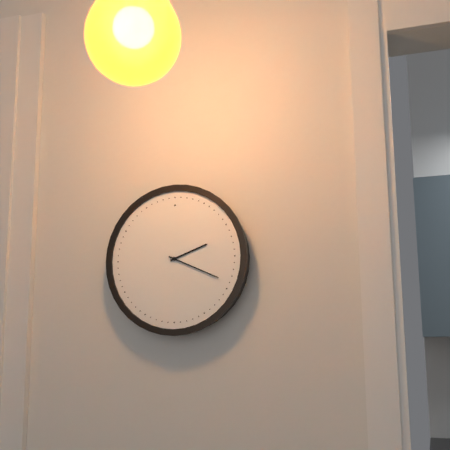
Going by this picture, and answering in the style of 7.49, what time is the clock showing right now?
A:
2.19
